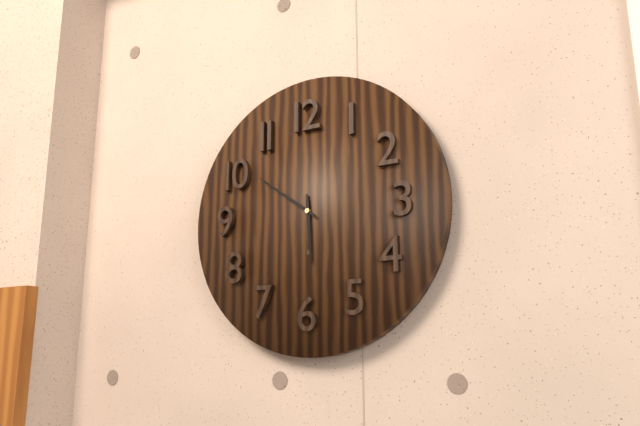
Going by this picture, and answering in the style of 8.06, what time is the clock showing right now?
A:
5.51
